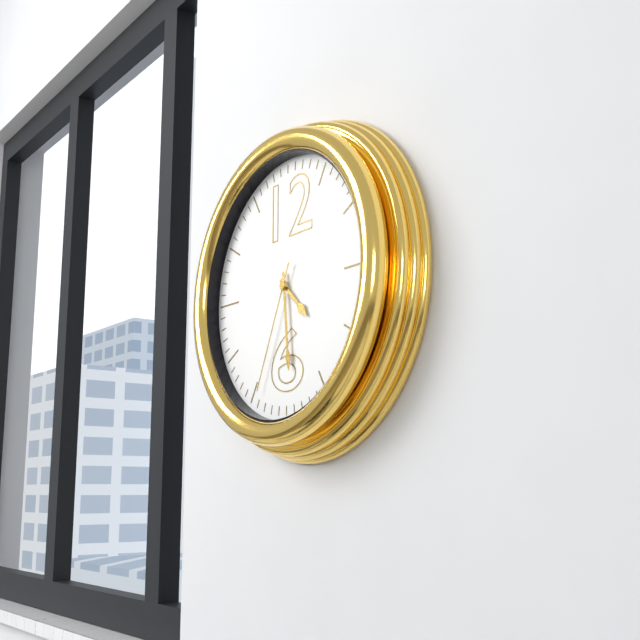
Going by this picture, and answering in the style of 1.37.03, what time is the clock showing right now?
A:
4.29.34
